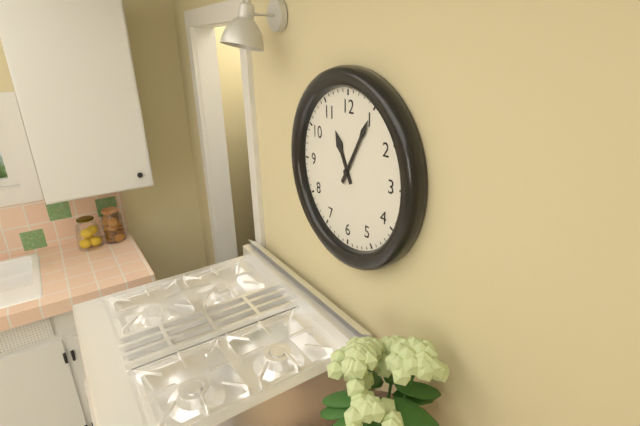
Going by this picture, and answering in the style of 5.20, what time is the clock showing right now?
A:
11.05
